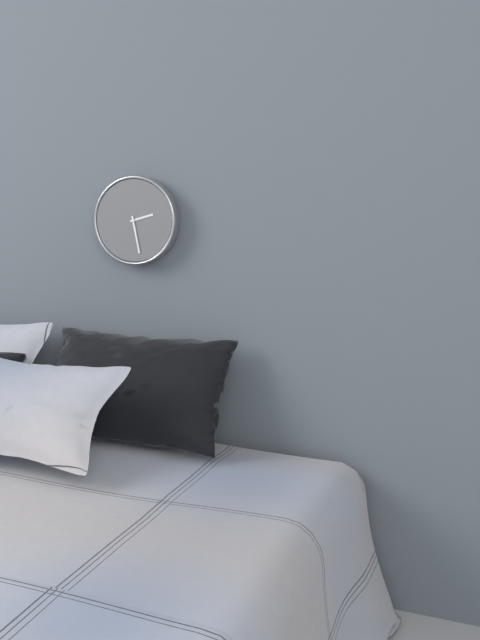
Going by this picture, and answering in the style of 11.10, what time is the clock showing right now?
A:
2.28
